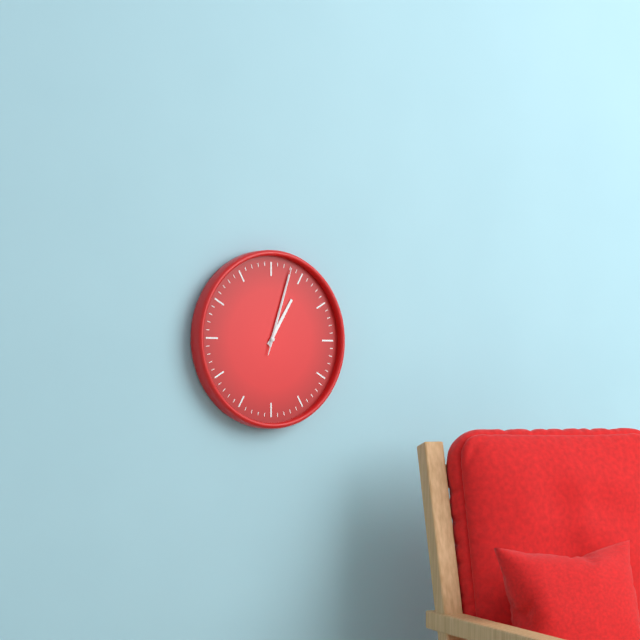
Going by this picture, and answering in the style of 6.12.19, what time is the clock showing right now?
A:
1.03.03
